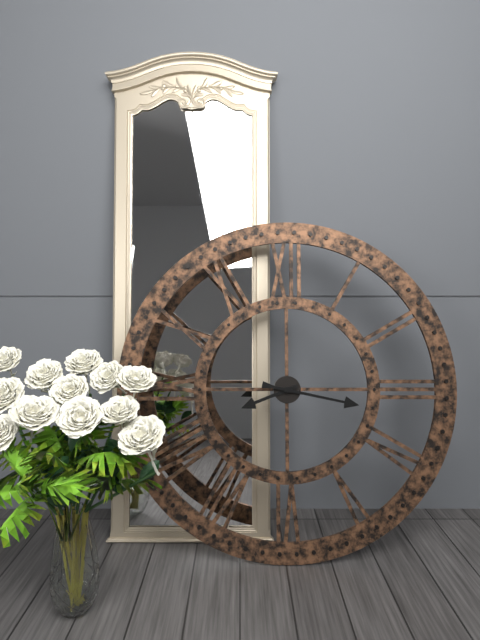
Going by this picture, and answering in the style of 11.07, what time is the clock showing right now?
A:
8.17
